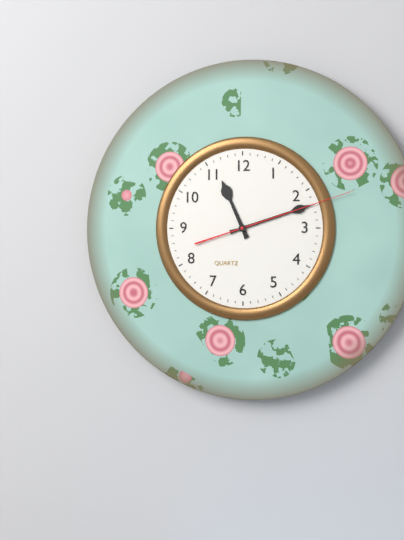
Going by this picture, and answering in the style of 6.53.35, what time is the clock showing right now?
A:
11.12.12
